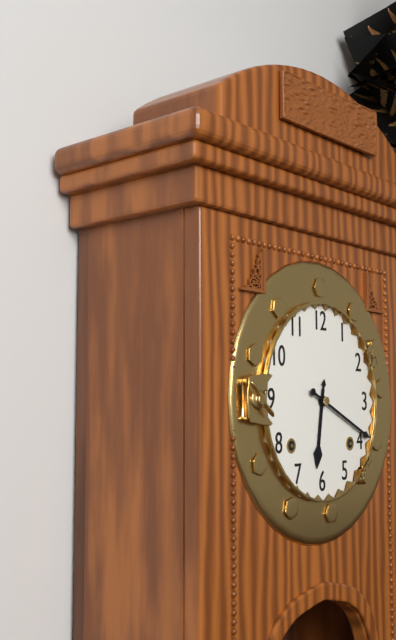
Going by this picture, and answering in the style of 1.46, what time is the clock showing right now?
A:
6.19
